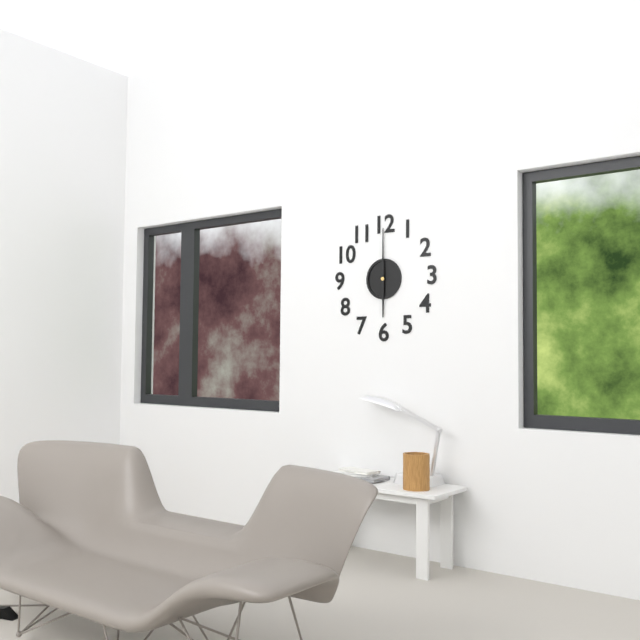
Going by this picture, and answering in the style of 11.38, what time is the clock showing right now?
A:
6.00
